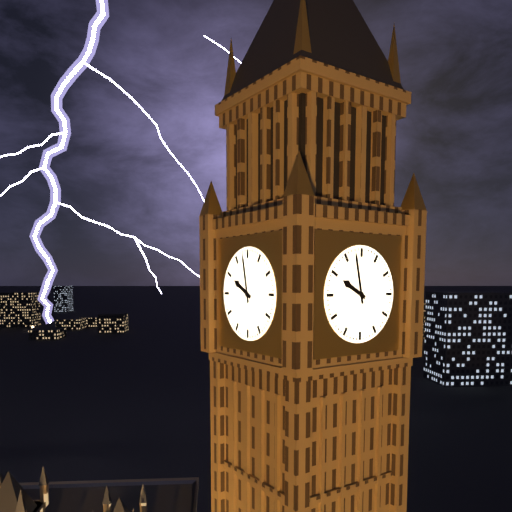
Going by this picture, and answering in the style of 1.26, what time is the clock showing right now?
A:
9.58
